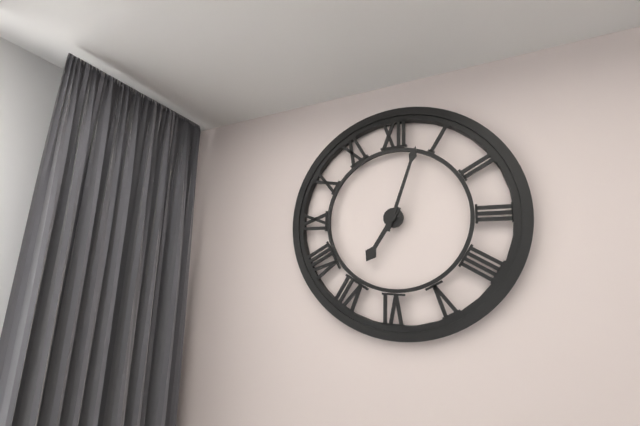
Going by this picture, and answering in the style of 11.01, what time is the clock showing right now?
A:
7.03
